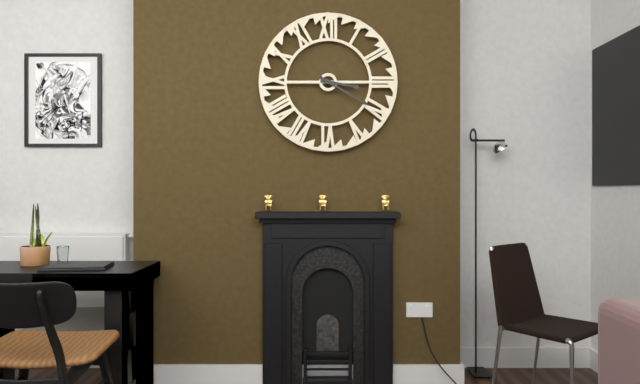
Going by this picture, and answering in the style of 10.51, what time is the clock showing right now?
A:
3.20
